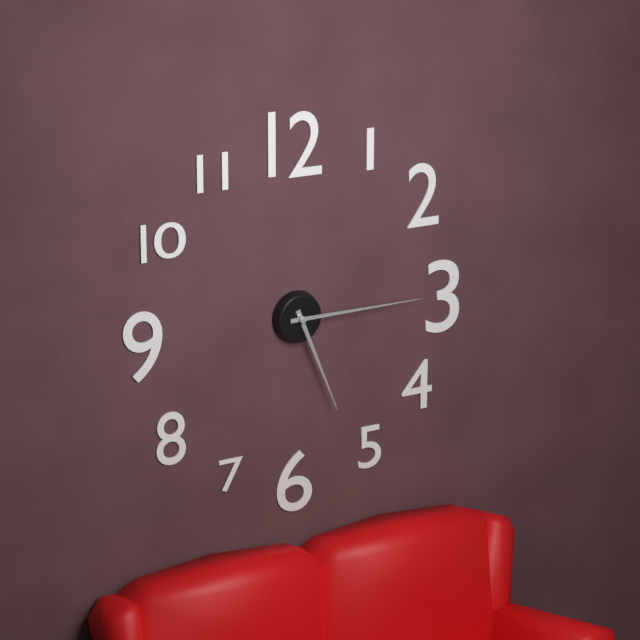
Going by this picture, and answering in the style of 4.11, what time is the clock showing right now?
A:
5.15
